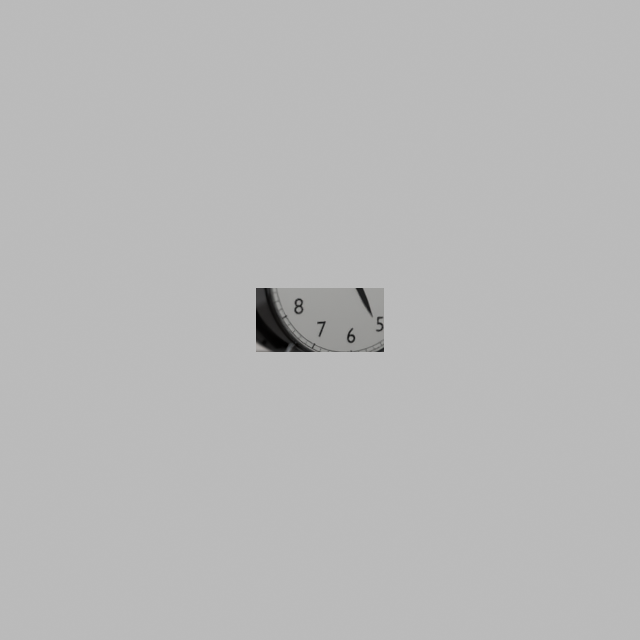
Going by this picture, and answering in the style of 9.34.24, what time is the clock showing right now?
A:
5.07.08
